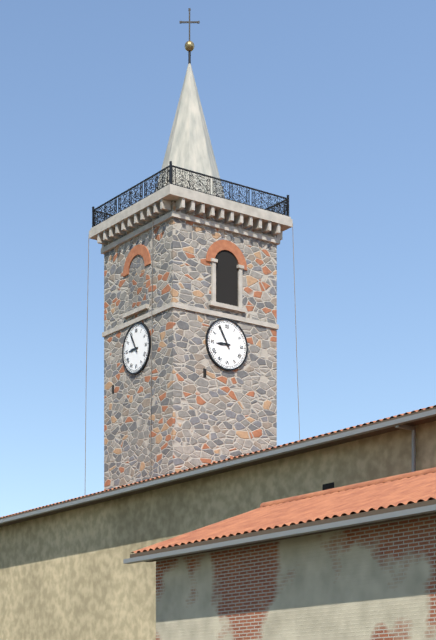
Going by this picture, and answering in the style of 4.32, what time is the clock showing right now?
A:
8.55
